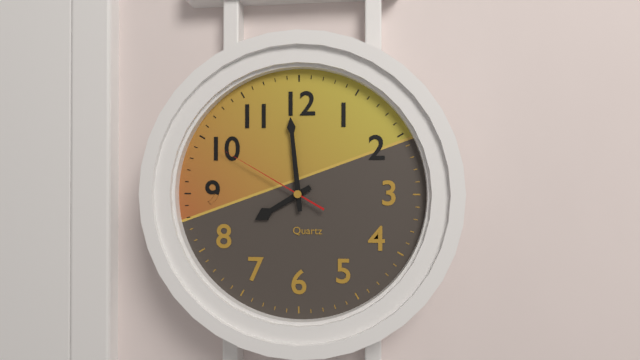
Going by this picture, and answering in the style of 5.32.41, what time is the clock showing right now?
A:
7.59.50
